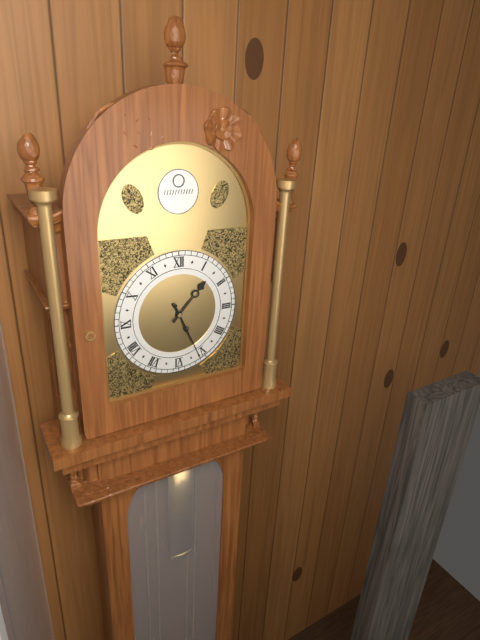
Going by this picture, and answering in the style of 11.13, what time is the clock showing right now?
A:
1.26
